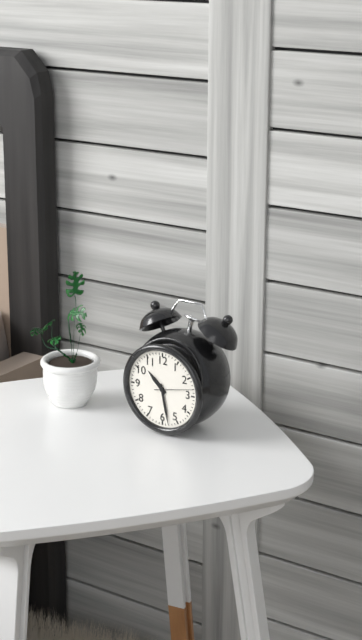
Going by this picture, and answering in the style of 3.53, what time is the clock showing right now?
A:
10.28
